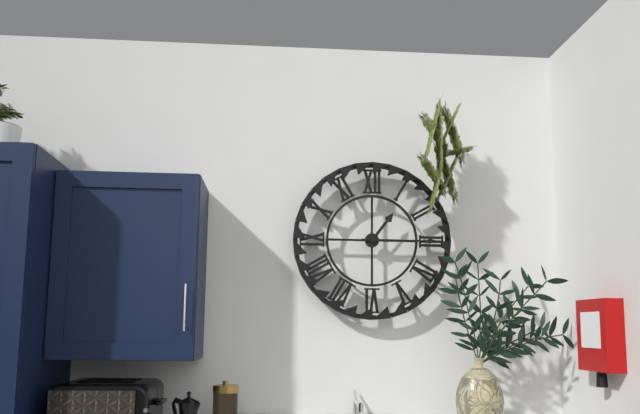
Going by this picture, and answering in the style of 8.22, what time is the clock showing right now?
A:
1.15
